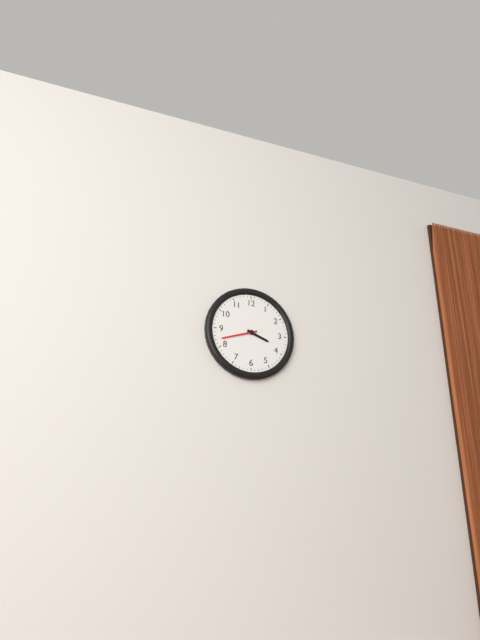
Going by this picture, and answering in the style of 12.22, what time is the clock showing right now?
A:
3.42
